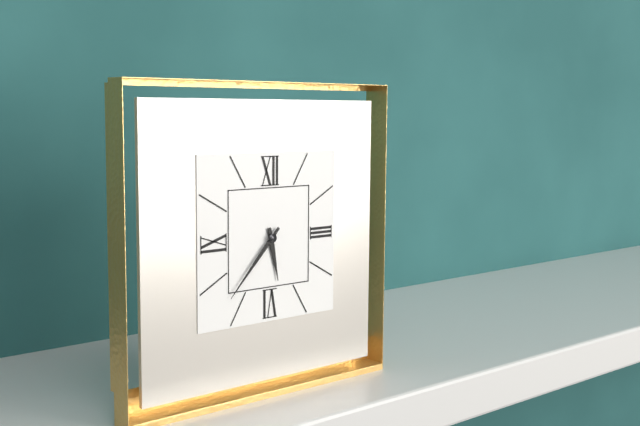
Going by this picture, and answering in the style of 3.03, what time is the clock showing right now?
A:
5.37
